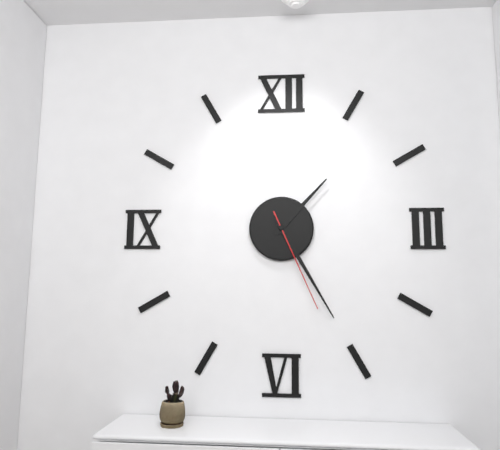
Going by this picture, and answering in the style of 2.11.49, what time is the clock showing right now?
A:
1.25.26
